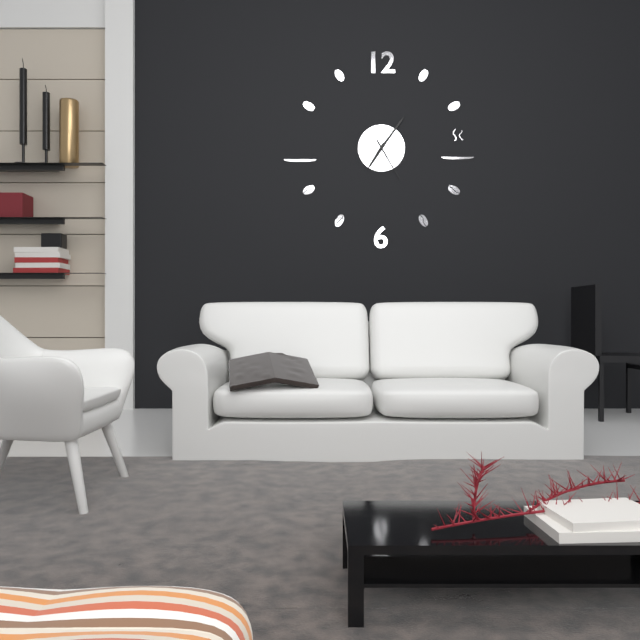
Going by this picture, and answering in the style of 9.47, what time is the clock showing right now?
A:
7.06
